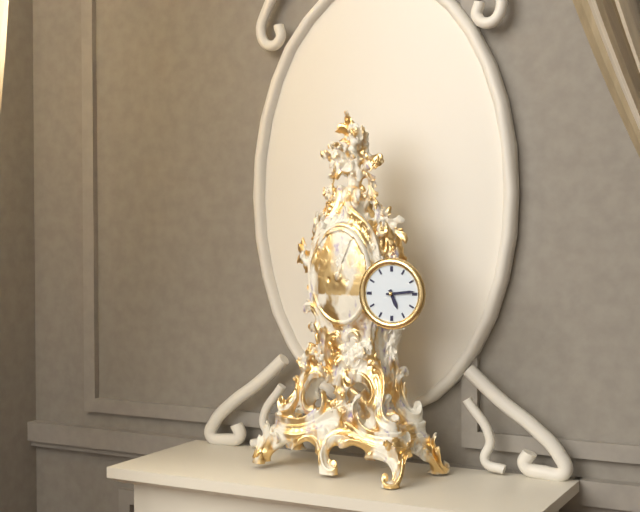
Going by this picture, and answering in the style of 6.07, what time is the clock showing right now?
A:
5.14
